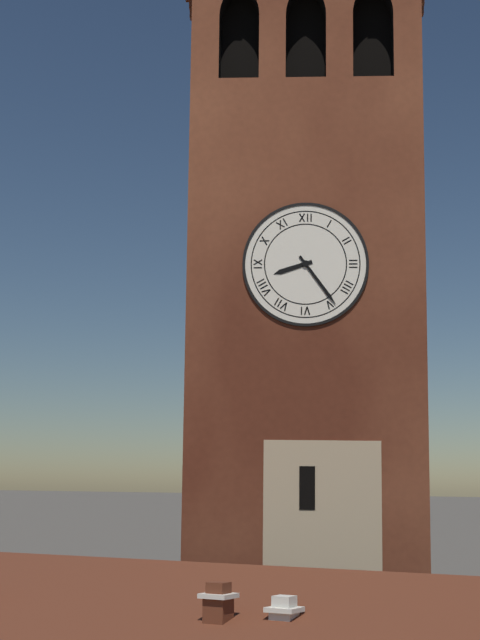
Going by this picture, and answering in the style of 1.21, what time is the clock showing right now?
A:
8.24
